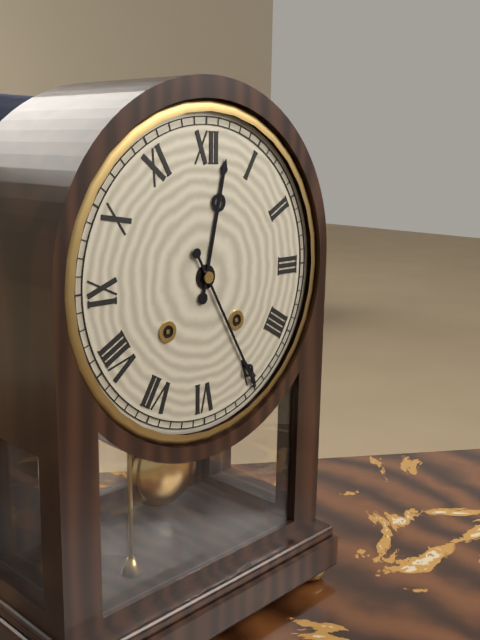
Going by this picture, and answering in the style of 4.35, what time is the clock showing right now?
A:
12.25
